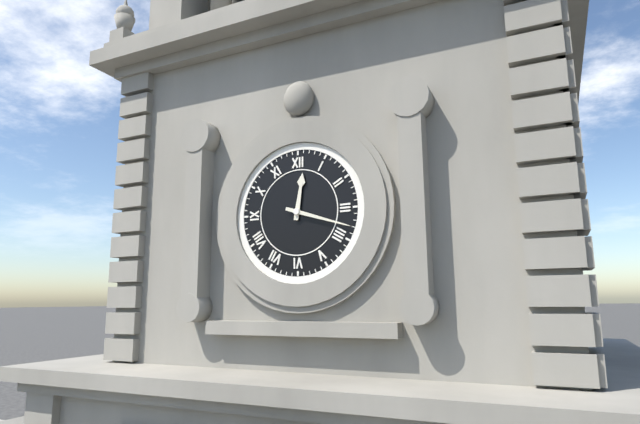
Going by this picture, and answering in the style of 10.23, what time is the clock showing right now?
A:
12.18
